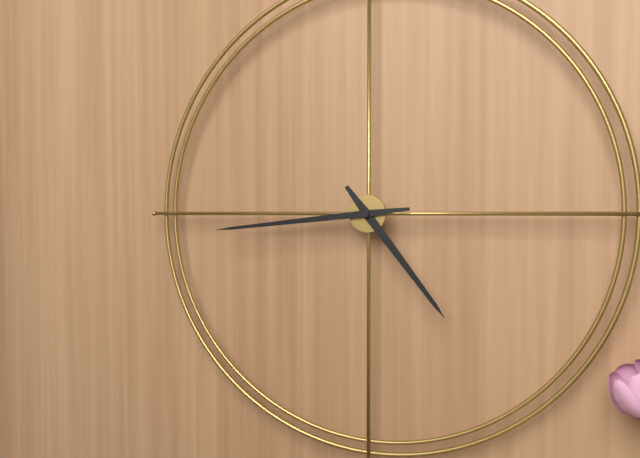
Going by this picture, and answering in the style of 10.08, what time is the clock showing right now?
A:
4.44
